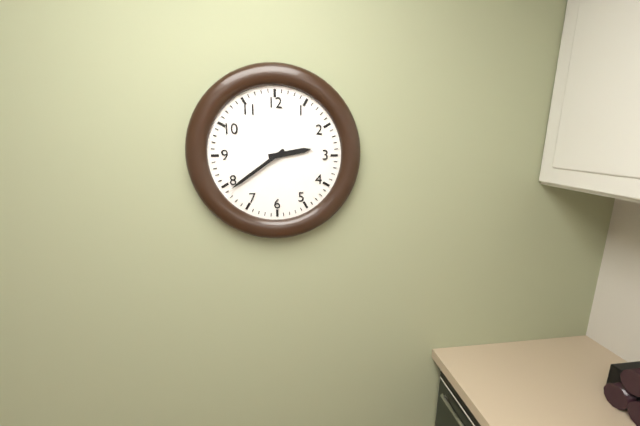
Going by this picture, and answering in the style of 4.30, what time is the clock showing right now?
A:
2.39
